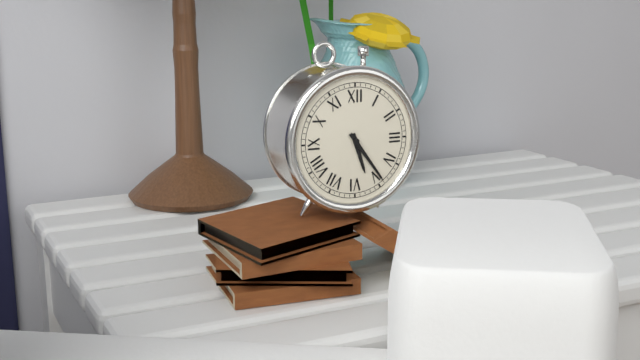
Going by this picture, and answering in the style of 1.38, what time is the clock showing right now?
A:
5.24
